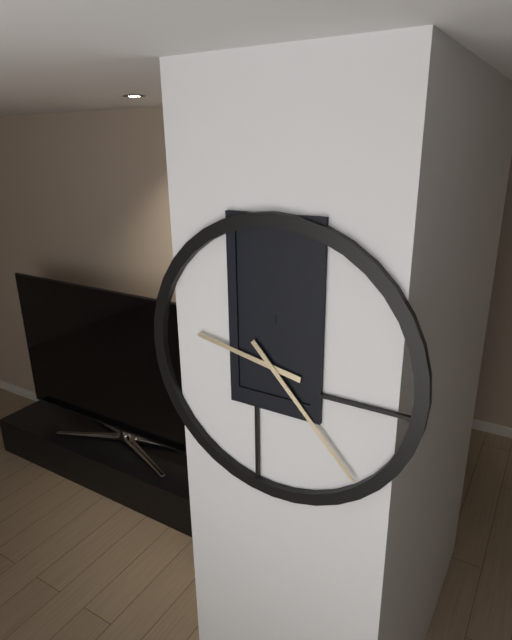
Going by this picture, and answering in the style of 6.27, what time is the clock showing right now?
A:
9.23
